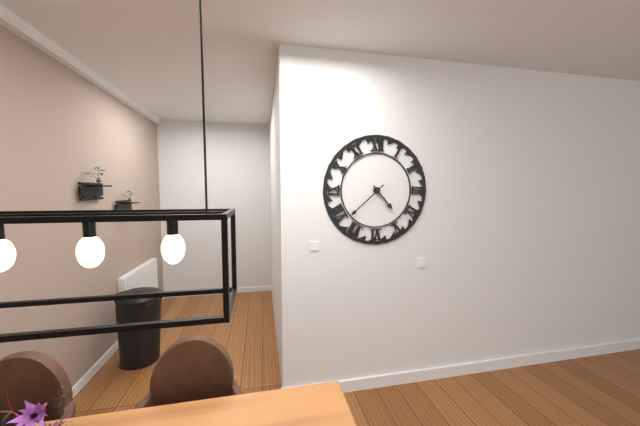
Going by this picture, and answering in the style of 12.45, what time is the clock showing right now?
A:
4.38
